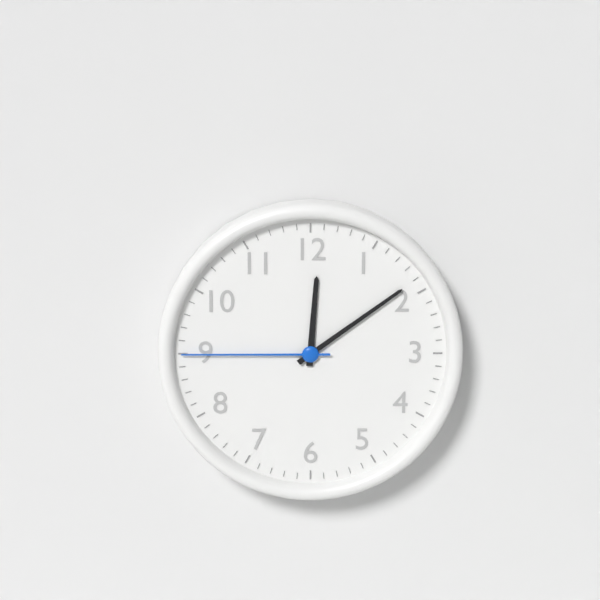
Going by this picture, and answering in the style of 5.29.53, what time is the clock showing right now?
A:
12.09.45
